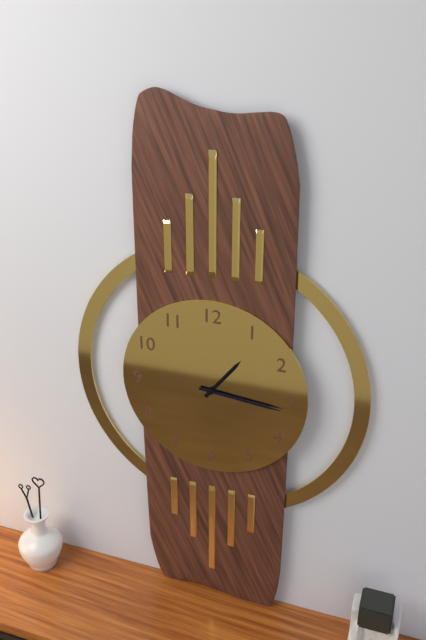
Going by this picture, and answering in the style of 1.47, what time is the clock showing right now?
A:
1.16
